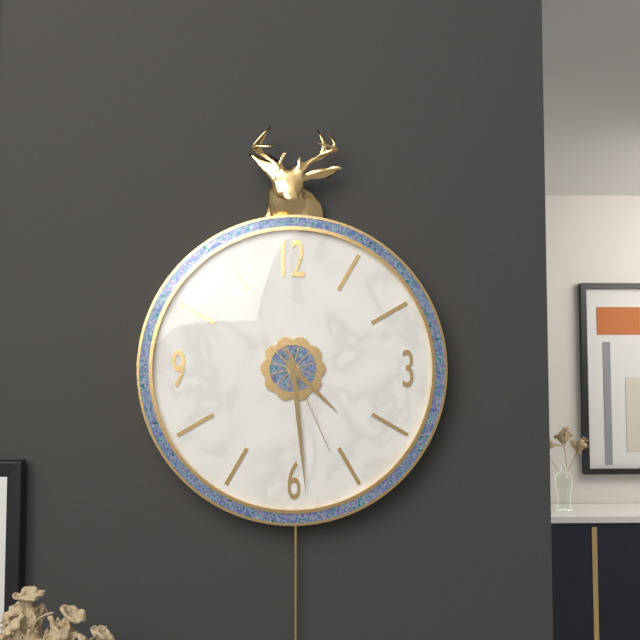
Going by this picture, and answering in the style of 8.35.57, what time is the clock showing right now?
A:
4.29.26
